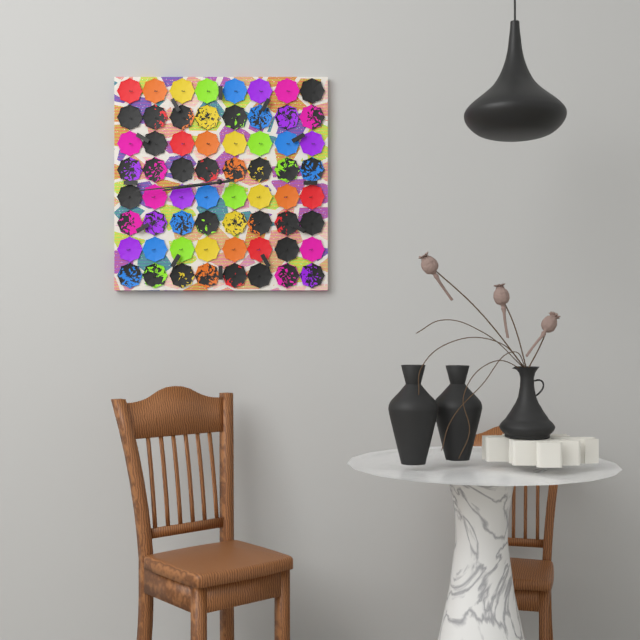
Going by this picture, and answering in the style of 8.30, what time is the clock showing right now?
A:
8.44
